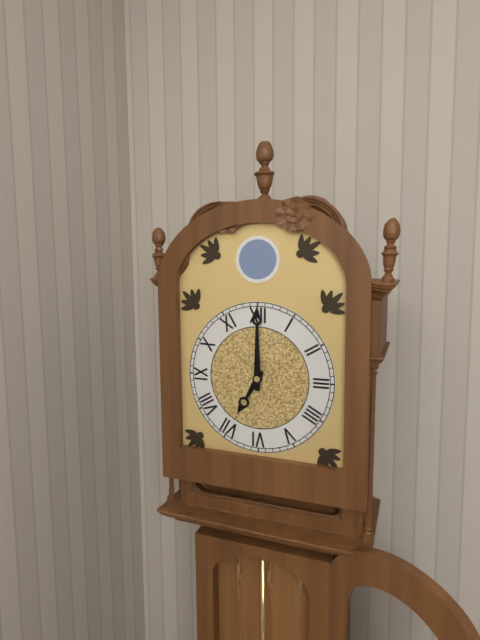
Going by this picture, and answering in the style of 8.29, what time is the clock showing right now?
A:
7.00
